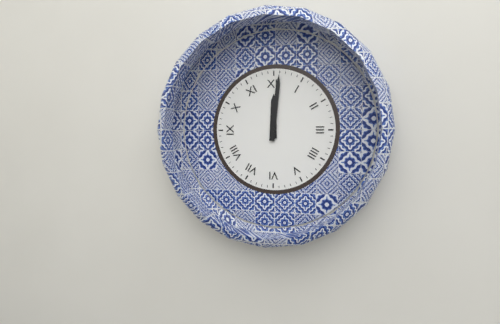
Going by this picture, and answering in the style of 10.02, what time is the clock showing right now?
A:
12.01
